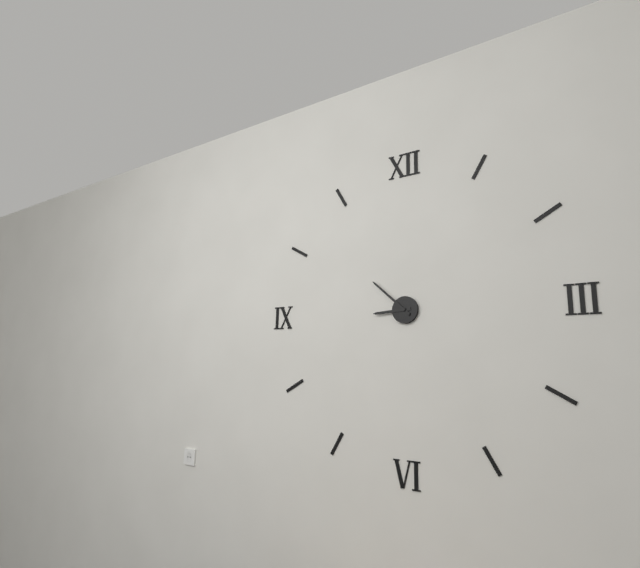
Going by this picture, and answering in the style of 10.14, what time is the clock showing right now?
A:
8.52
